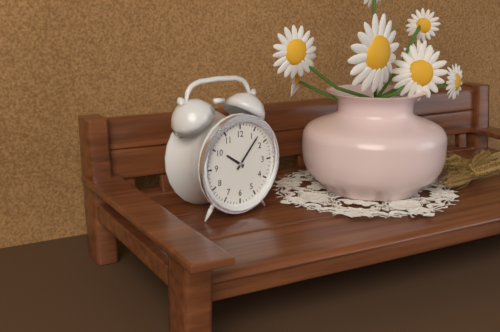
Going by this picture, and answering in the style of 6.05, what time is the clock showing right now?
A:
10.07
